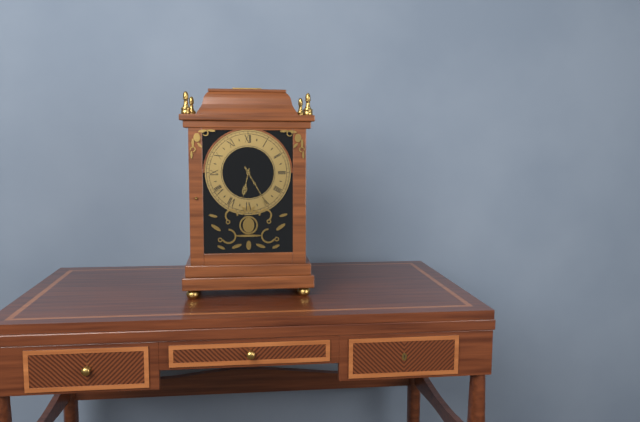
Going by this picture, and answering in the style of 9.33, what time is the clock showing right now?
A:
6.25
